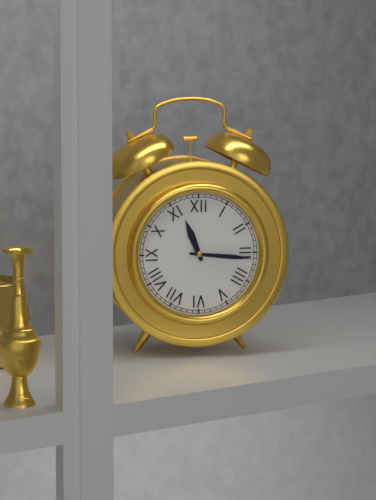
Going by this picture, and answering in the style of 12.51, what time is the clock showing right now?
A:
11.16
